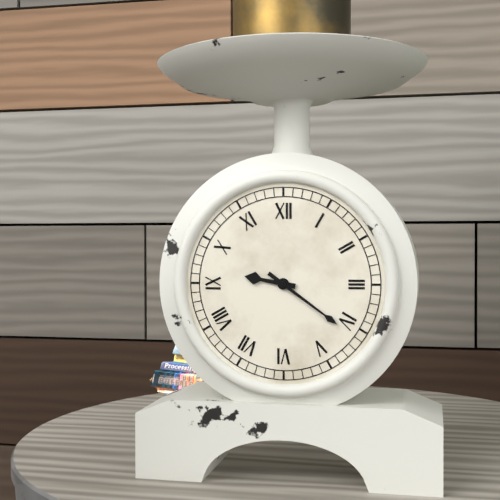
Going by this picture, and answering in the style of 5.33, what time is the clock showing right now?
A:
9.21
